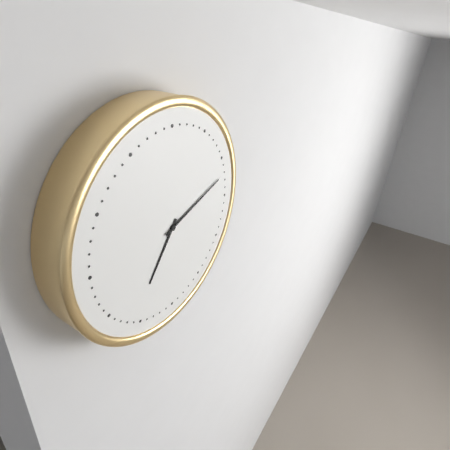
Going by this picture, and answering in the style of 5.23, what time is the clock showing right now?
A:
7.12
